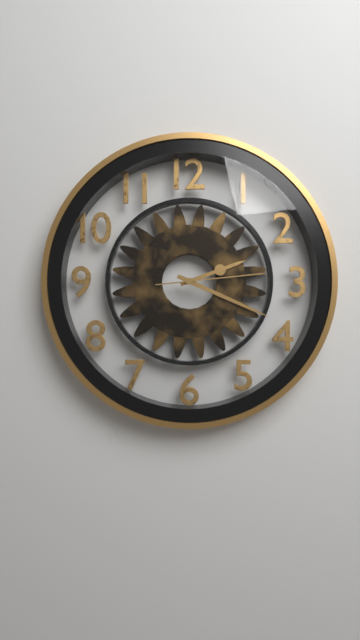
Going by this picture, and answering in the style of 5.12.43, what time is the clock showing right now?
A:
2.19.14
